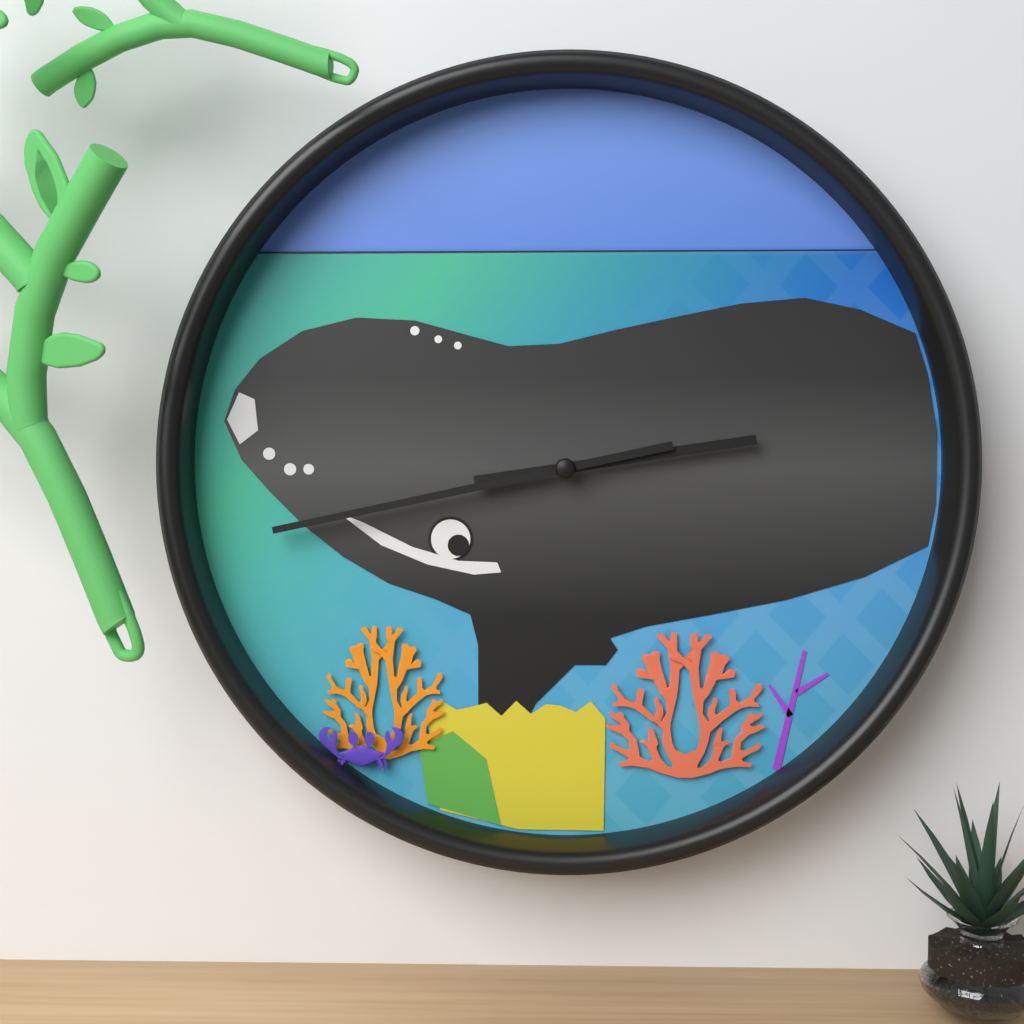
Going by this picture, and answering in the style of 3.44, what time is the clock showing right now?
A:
2.43
